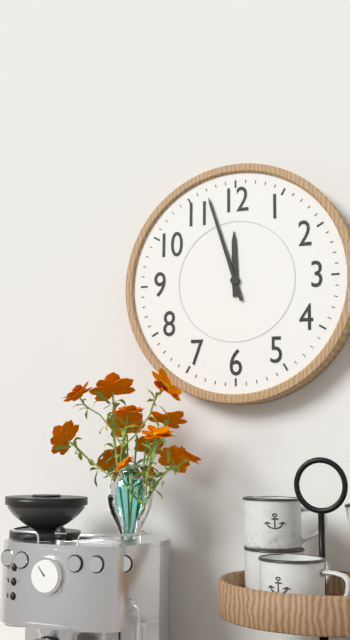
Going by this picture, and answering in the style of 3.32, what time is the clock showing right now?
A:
11.57
